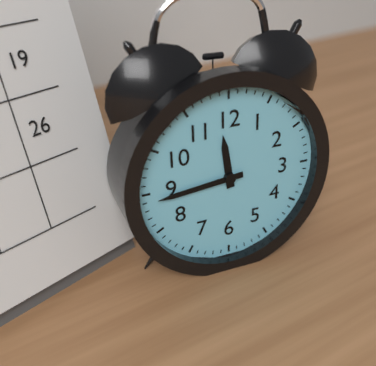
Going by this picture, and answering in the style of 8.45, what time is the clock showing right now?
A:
11.44
